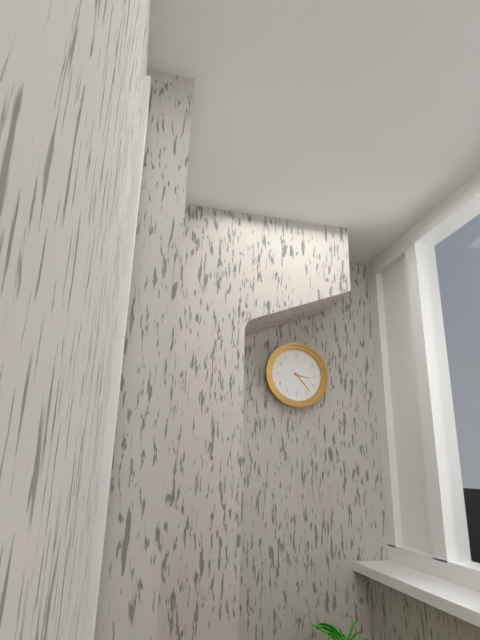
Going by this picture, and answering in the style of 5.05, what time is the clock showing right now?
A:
3.23
